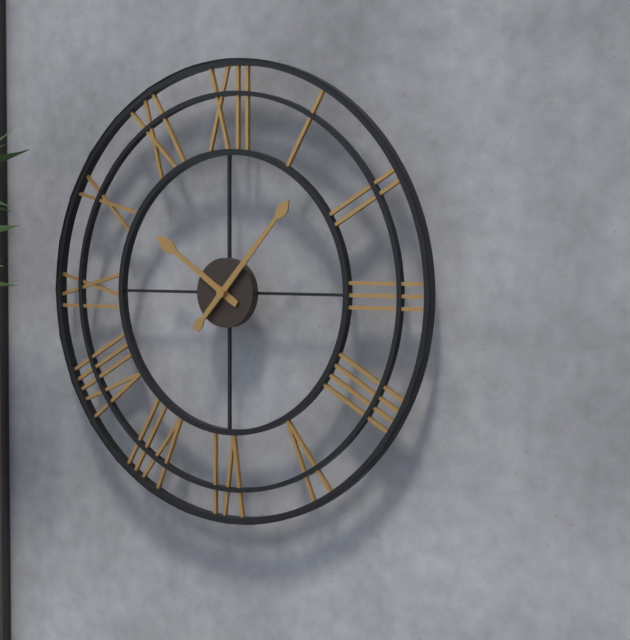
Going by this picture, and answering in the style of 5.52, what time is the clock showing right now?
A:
10.07
